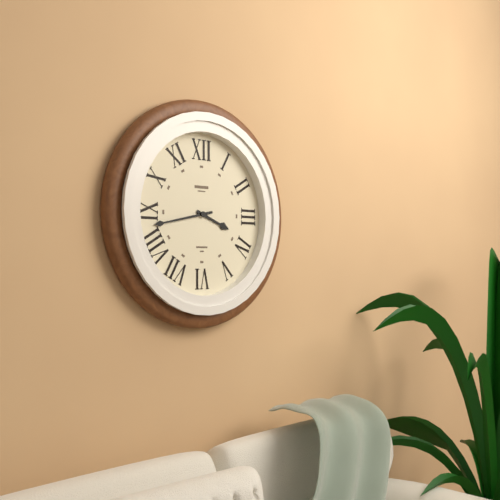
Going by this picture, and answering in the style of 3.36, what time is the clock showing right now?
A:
3.43
